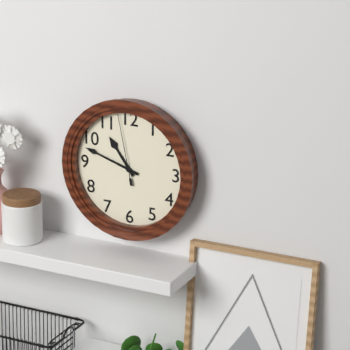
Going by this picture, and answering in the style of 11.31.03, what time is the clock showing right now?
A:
10.48.58
